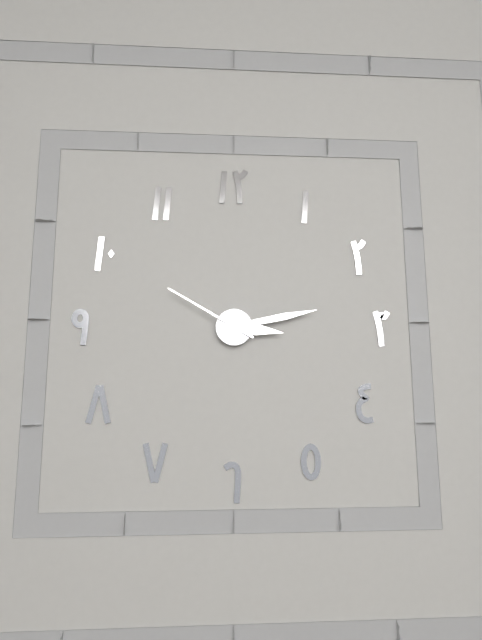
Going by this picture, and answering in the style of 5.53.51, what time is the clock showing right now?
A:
3.13.50
